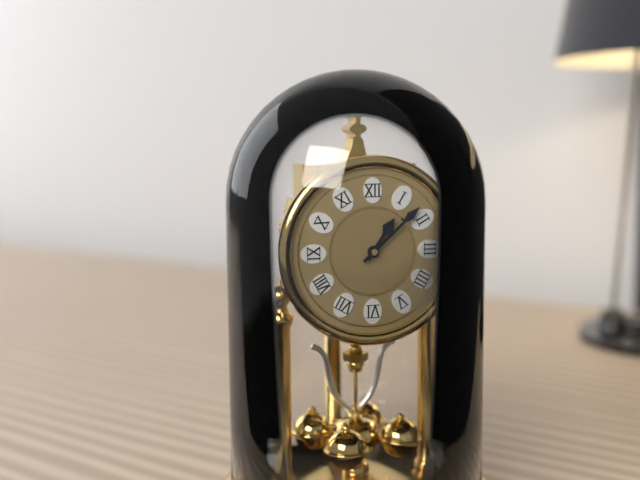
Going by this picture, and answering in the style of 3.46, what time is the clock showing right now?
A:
1.08
